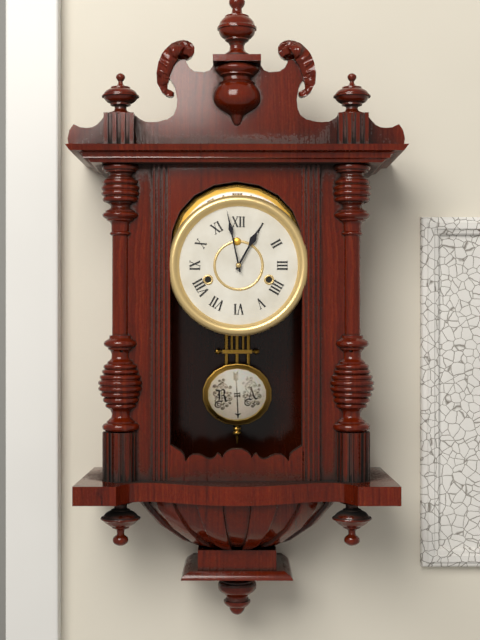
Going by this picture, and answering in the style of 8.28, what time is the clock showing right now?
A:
12.58
